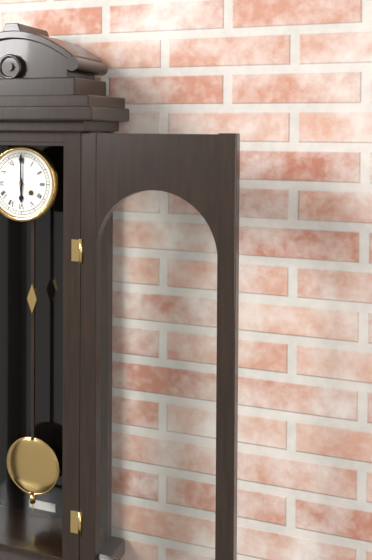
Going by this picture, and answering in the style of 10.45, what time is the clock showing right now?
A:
6.00
